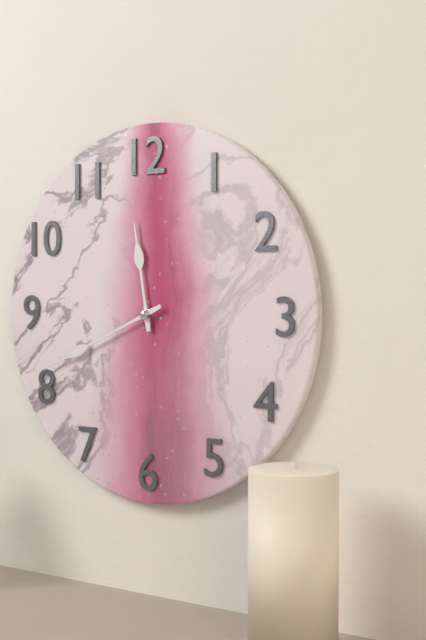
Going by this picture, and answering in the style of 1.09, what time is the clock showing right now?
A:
11.41
